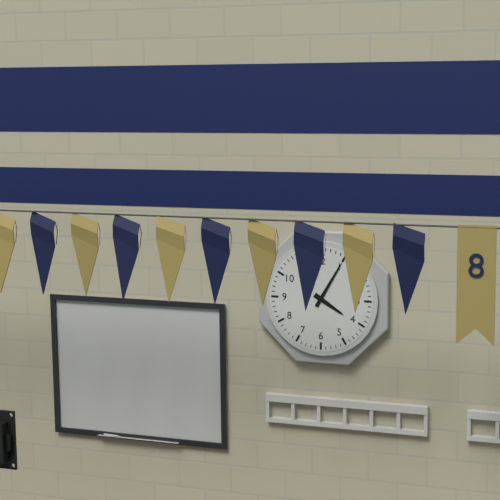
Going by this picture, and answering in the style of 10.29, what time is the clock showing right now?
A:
4.05
